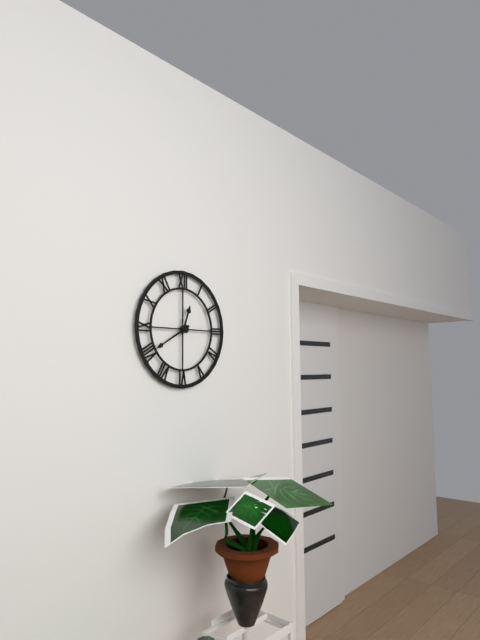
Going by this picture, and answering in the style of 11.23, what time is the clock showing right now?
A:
12.40
